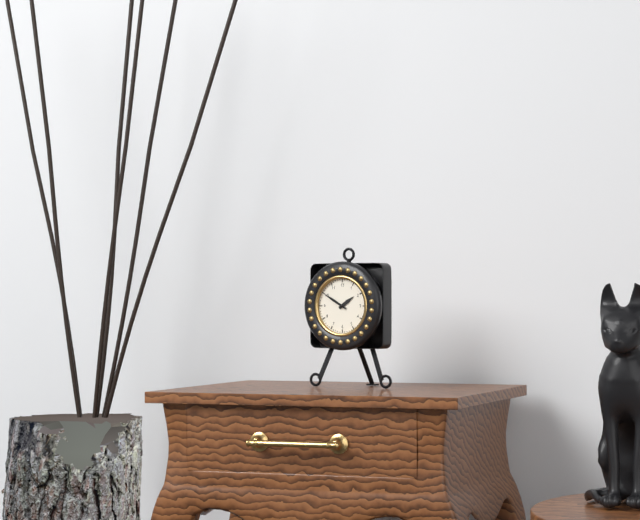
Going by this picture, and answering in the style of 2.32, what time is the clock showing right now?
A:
1.50
